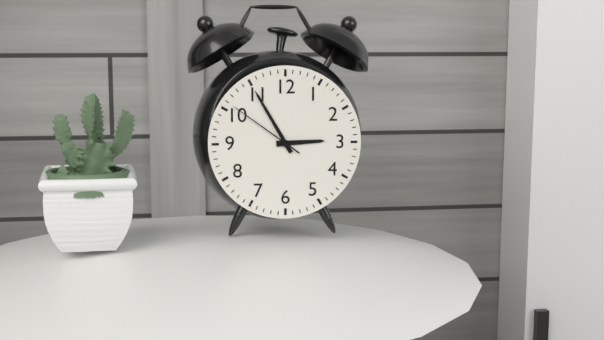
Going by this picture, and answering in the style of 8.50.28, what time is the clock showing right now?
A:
2.55.51
